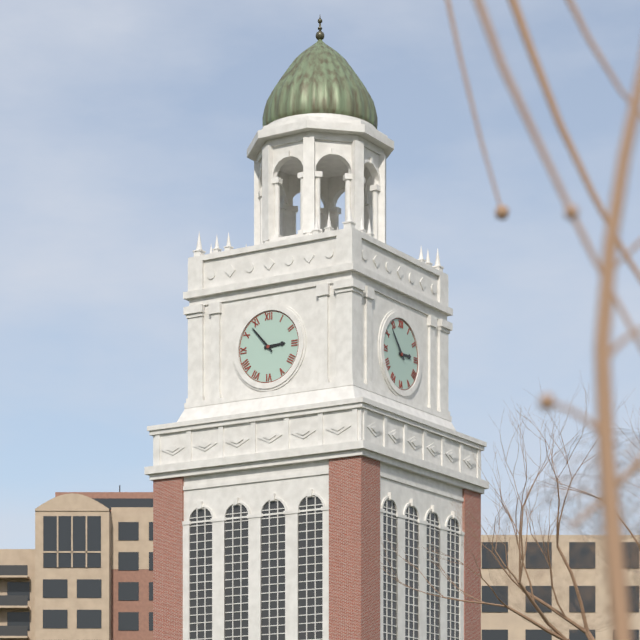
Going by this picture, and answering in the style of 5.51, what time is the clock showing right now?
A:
2.53
